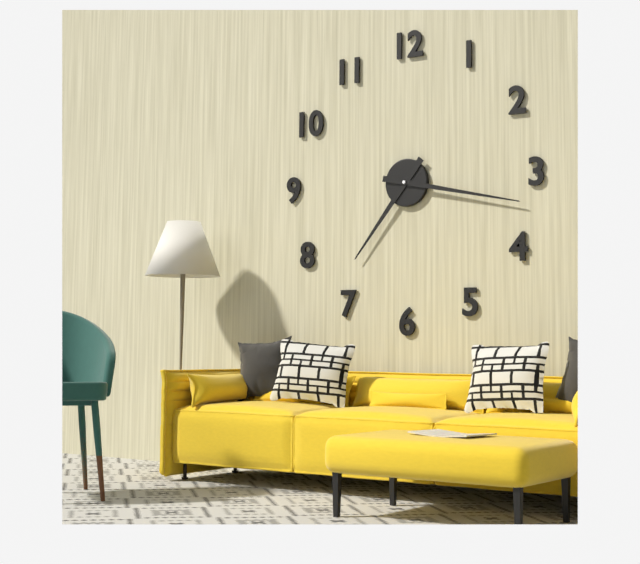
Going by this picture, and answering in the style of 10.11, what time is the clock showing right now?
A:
7.17
